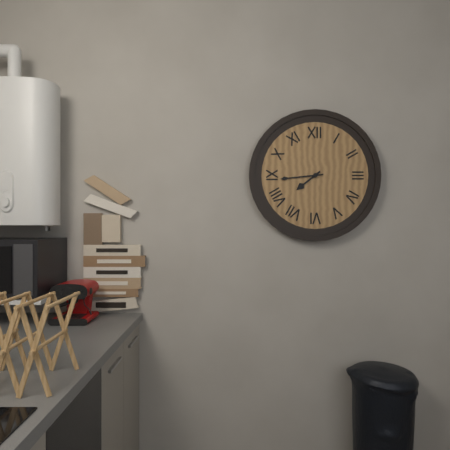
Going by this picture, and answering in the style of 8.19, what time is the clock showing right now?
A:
7.44
